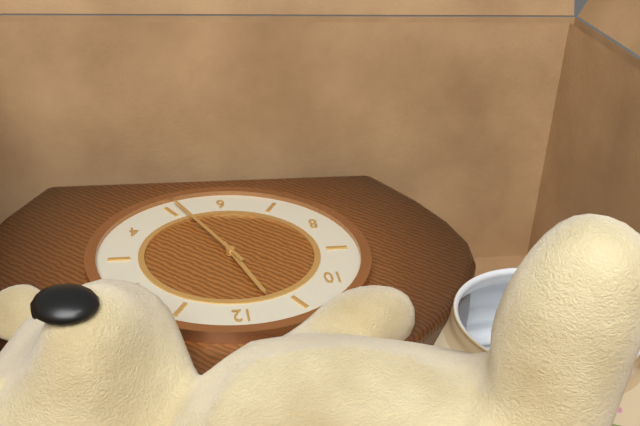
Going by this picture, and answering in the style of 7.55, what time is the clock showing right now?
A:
11.26
